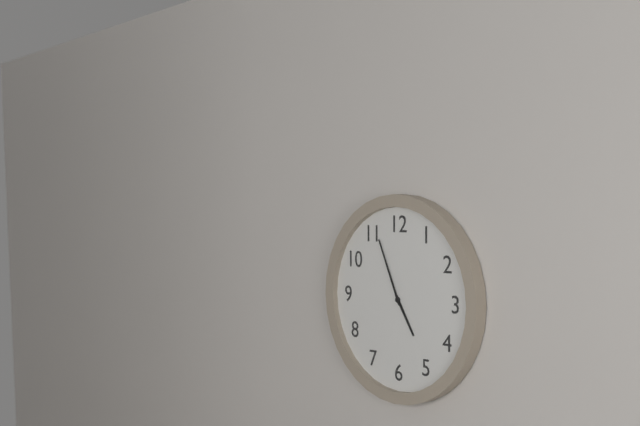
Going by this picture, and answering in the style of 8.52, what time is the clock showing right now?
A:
4.56
